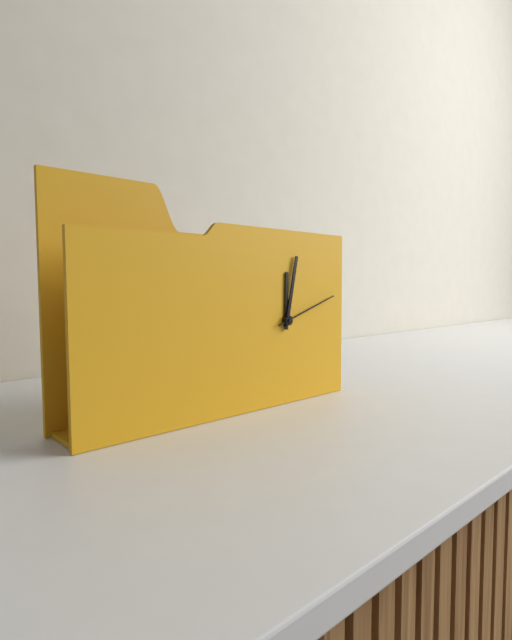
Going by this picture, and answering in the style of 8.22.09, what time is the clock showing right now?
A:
12.02.12
